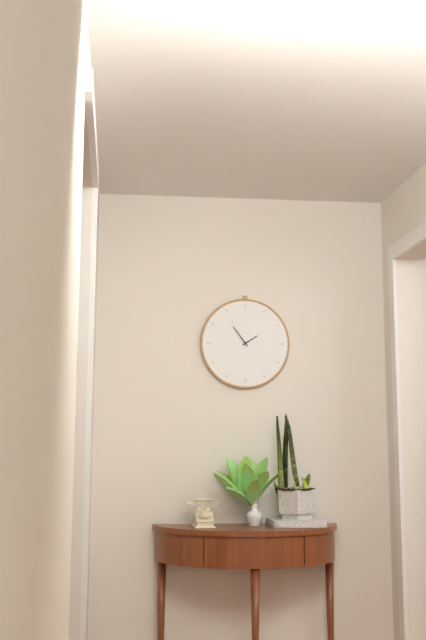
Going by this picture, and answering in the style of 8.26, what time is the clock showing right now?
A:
1.54
